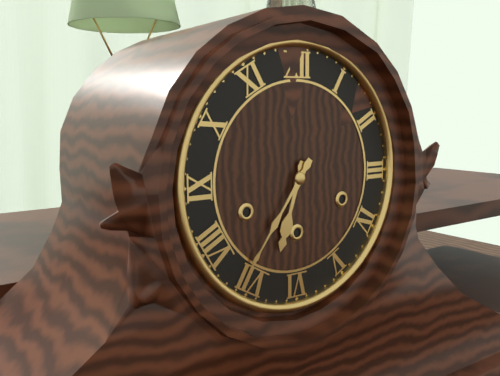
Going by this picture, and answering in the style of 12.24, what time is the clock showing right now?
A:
6.36
